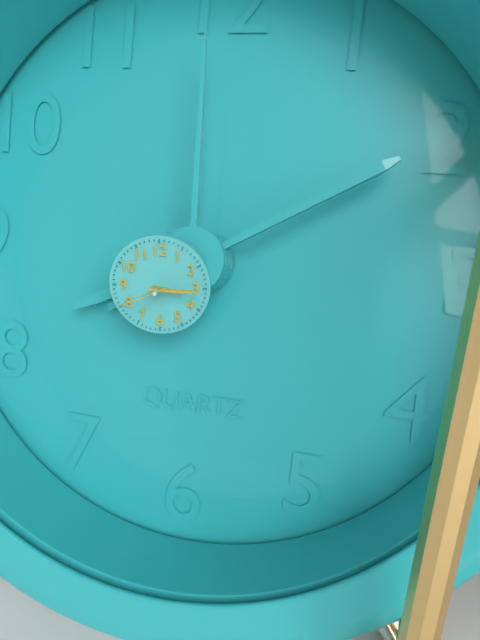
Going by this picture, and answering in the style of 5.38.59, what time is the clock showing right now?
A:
3.15.41
